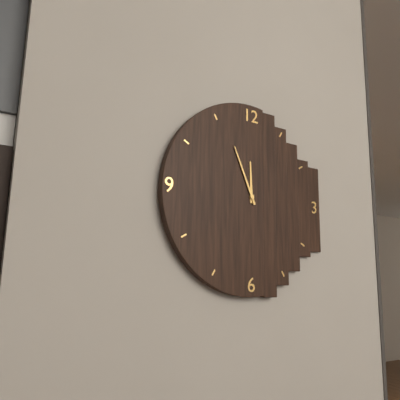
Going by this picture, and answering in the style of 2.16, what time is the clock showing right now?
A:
11.56
